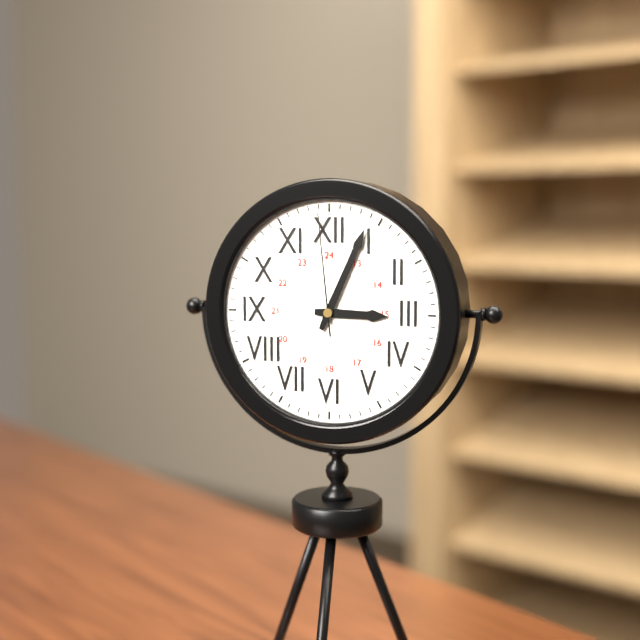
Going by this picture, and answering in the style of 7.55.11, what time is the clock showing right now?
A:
3.04.59
